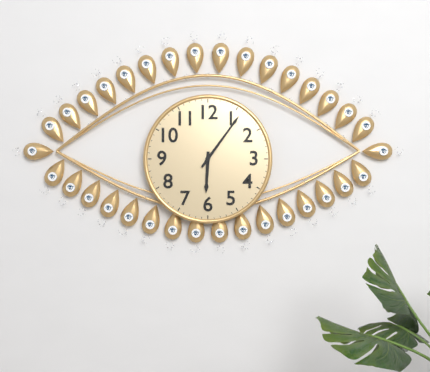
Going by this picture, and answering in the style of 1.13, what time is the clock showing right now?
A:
6.06
